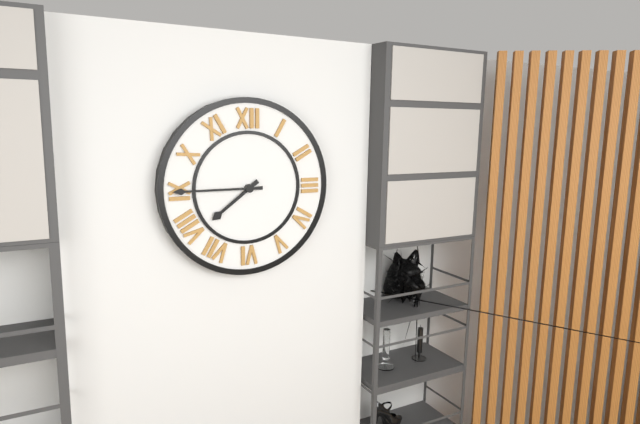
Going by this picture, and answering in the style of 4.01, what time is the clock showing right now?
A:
7.45
